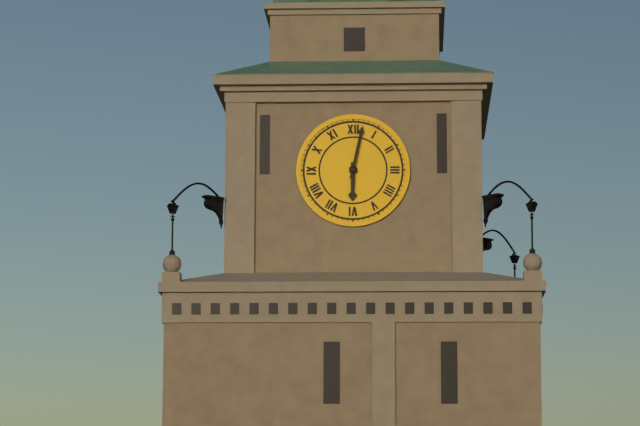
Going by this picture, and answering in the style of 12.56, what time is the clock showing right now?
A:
6.02
